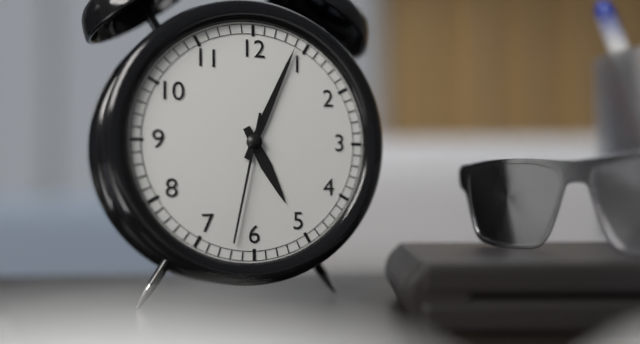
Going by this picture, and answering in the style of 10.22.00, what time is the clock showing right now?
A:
5.04.32
